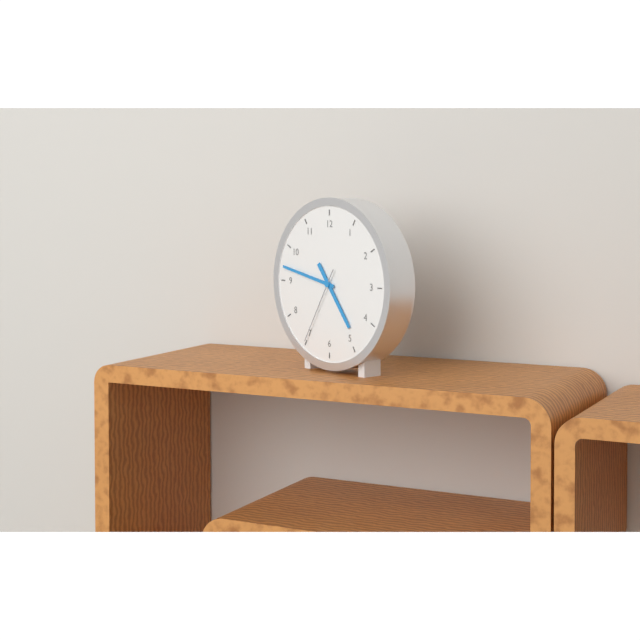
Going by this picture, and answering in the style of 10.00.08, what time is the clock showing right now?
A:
4.47.35
